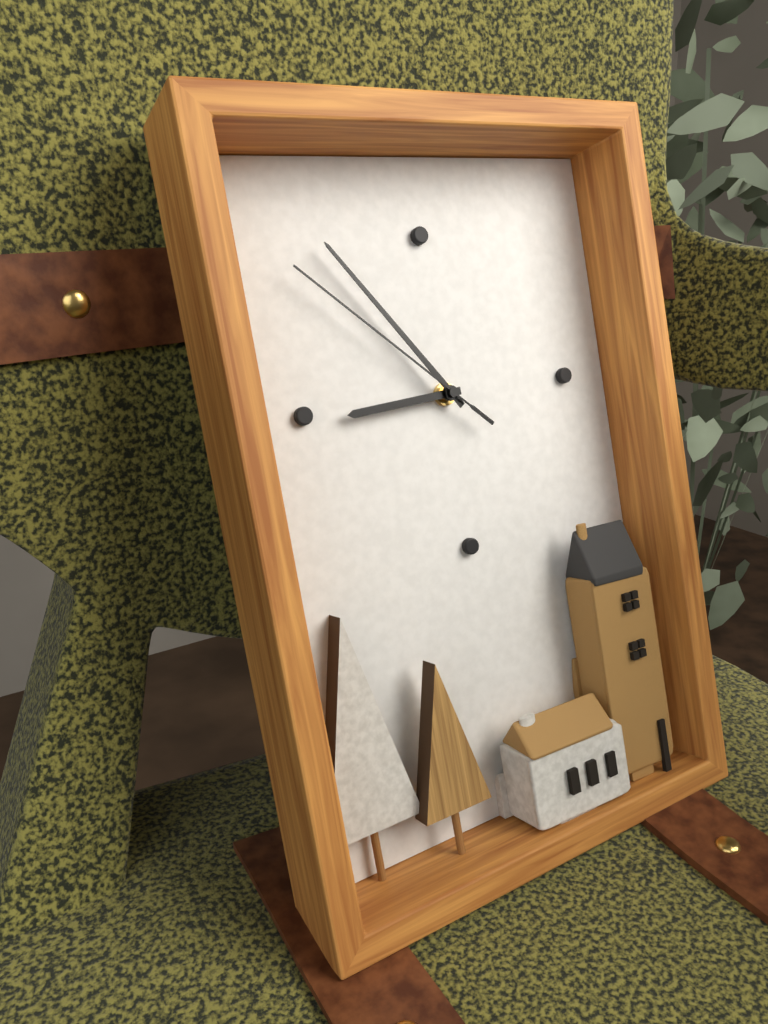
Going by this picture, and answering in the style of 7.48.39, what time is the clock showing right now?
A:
8.54.52
